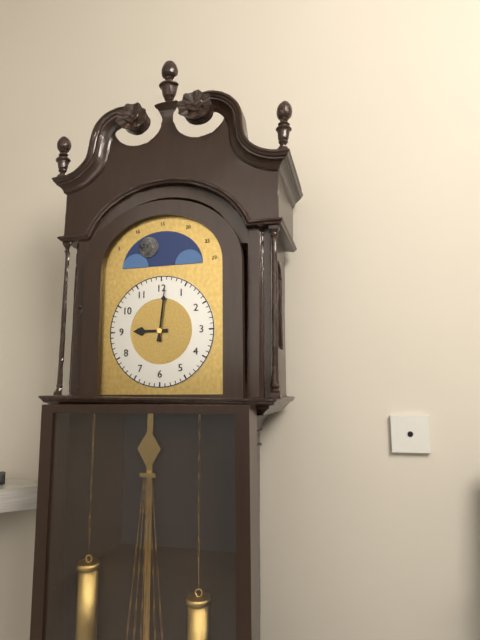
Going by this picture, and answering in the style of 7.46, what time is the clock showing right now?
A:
9.01
